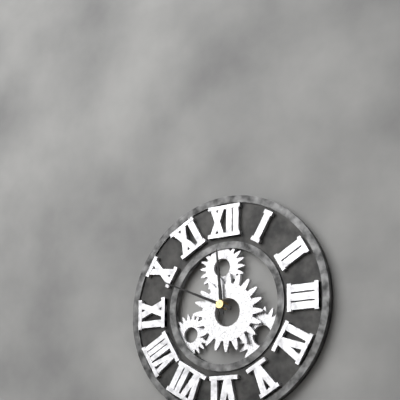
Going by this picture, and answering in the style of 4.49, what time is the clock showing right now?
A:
11.49
